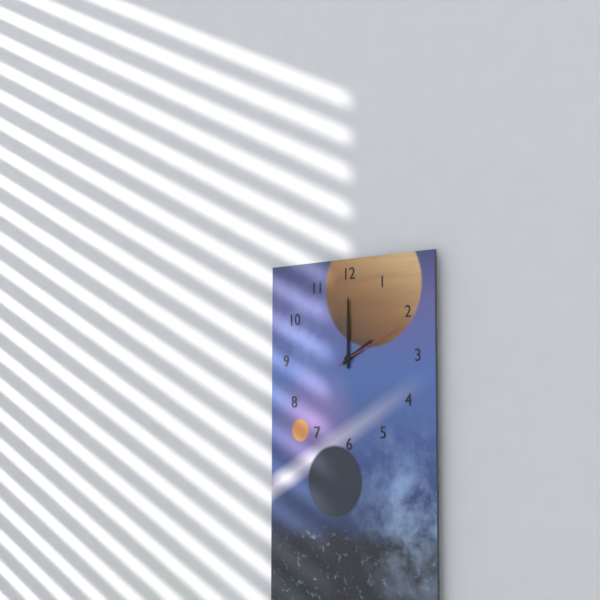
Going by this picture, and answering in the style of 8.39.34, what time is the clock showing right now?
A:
2.00.11
